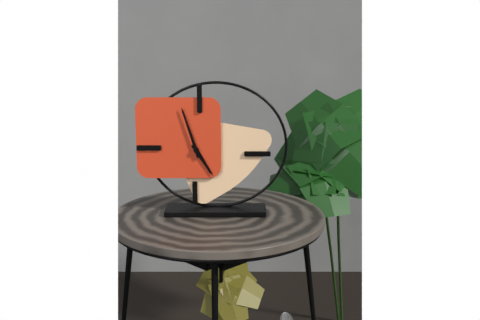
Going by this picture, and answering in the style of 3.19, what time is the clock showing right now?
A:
4.57
